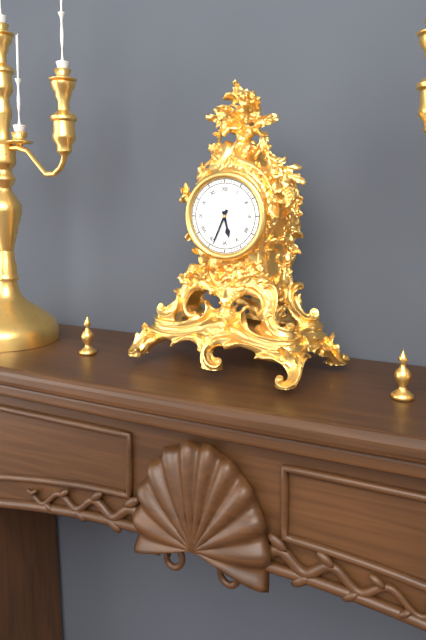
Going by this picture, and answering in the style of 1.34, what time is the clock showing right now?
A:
5.34
